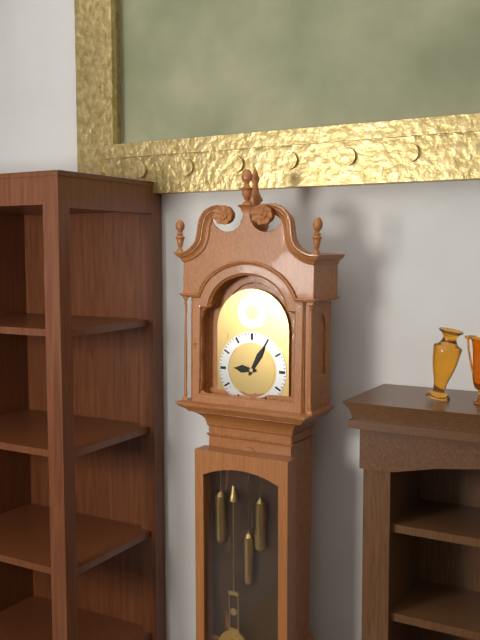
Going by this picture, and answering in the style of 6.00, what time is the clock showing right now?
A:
9.05
